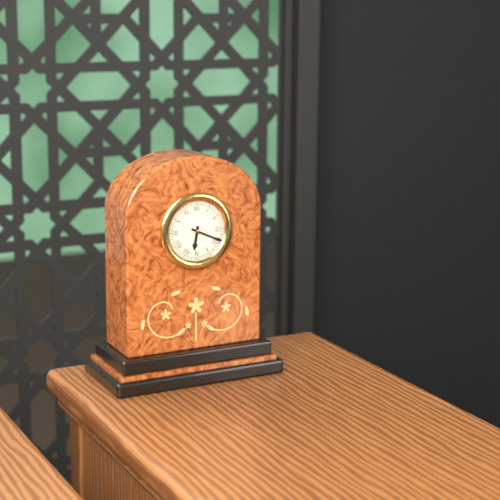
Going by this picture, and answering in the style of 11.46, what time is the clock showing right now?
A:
6.19
